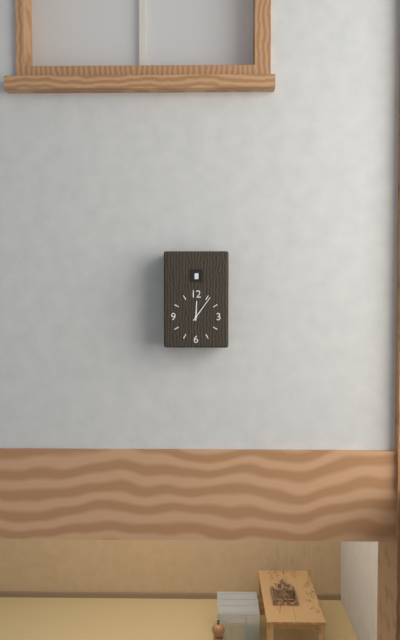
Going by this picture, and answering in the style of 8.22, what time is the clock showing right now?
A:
12.06
